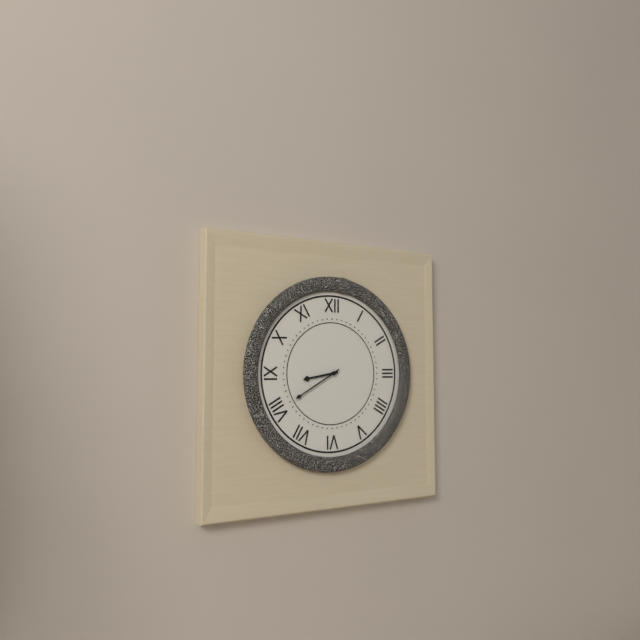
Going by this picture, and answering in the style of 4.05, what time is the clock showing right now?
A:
8.40
